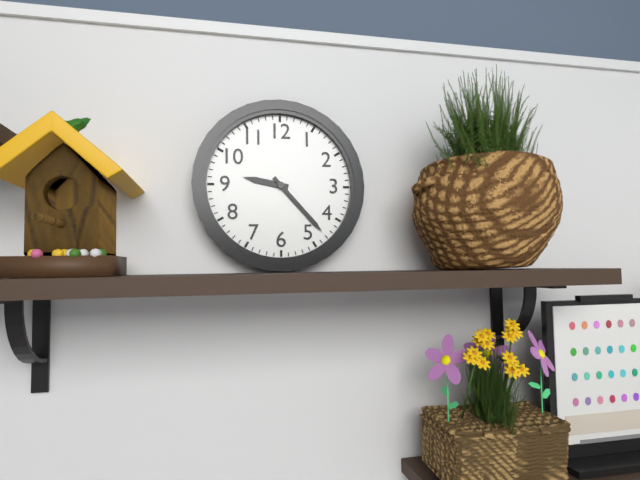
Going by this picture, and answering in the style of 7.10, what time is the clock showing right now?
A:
9.23
